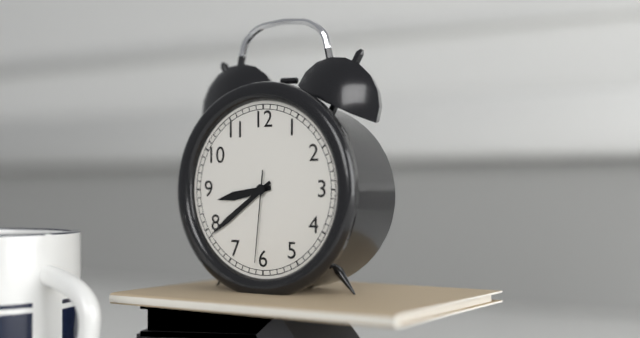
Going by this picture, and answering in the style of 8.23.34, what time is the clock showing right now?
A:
8.39.31
